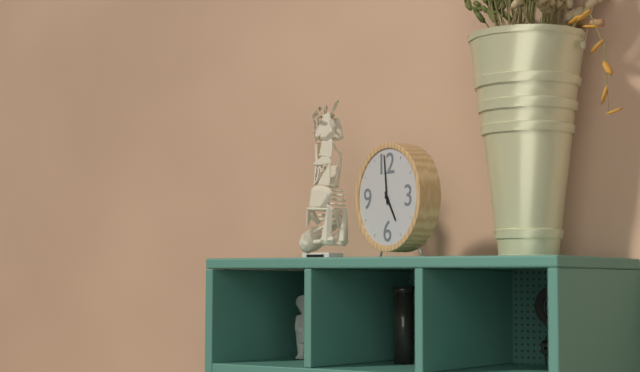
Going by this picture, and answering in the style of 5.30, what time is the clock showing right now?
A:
4.59
